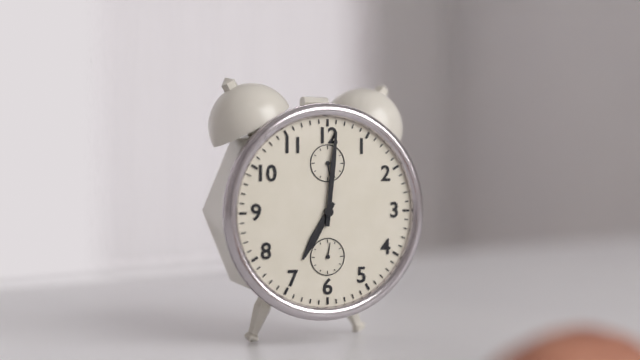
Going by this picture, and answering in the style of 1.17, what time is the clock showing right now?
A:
7.01
